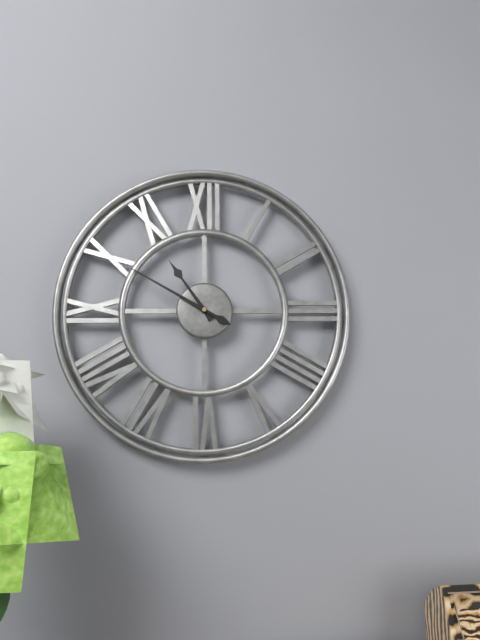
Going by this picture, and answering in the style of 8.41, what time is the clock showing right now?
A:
10.50
